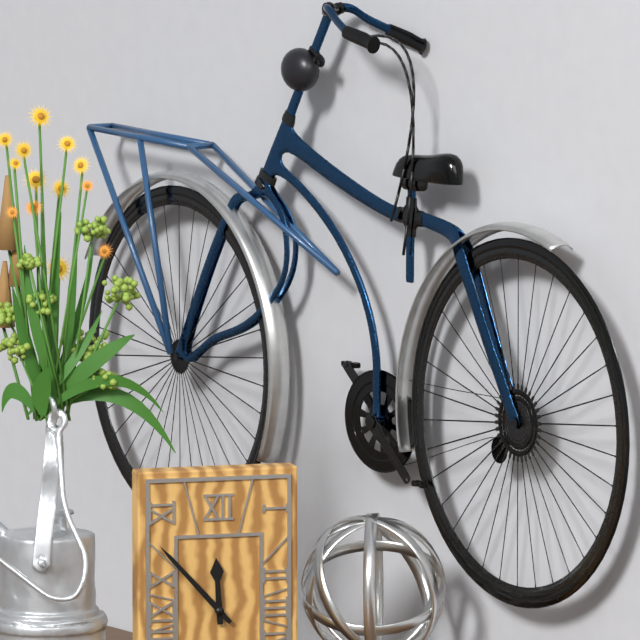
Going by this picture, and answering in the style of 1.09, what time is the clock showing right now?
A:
11.53
